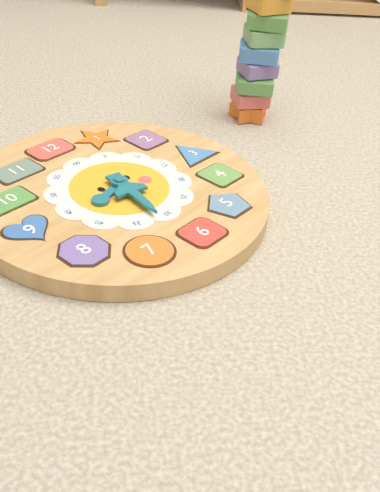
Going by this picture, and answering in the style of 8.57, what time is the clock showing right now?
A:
8.32
